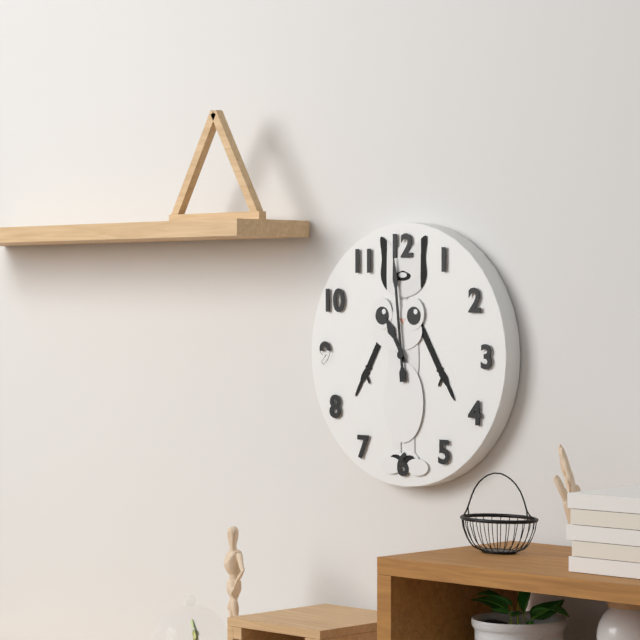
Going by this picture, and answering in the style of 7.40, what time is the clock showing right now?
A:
10.59
